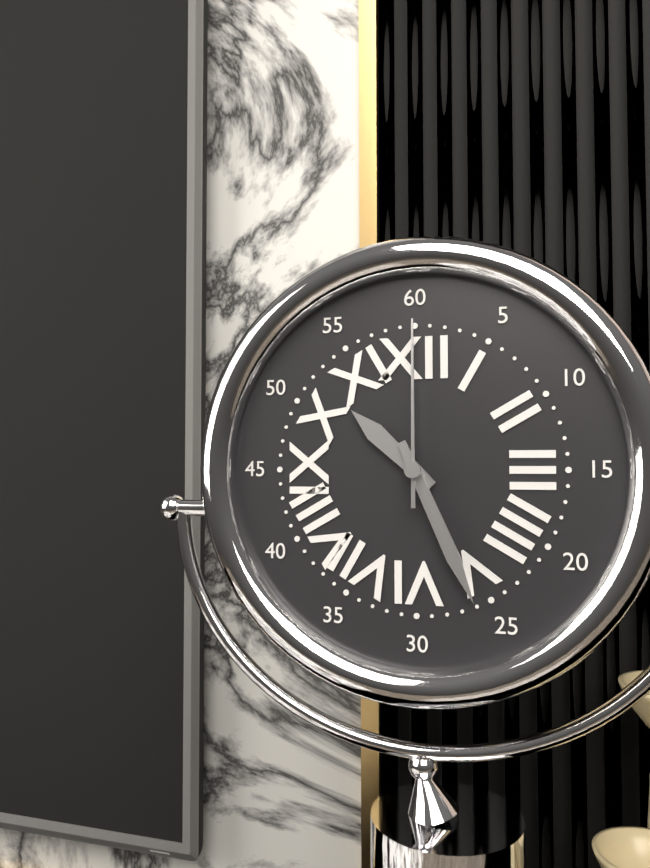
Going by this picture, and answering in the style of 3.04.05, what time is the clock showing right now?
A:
10.26.00
